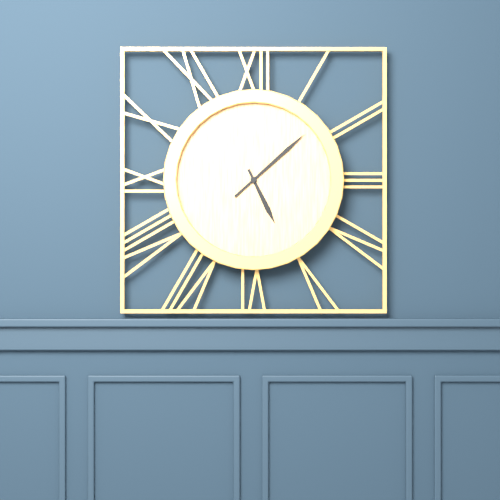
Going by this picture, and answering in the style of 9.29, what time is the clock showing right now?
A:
5.08
